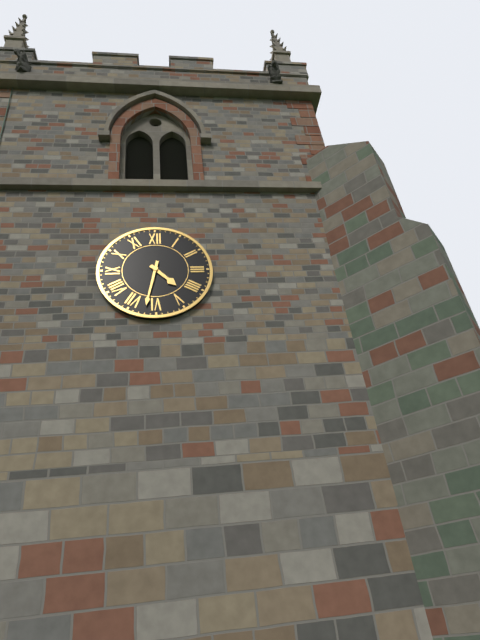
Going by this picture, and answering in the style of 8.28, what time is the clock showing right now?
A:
4.32
